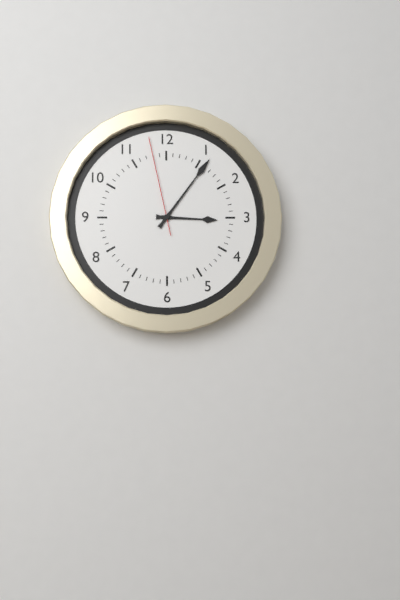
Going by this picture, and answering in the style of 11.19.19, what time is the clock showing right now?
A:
3.06.58
